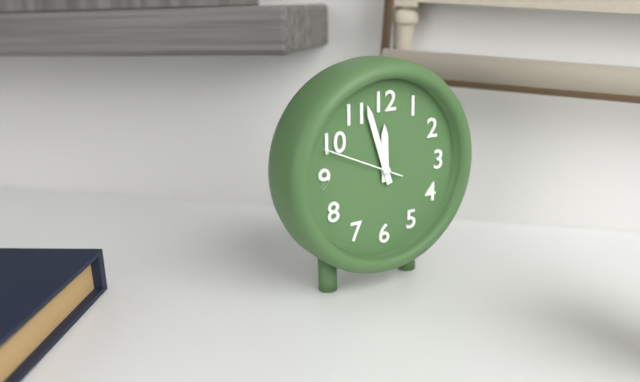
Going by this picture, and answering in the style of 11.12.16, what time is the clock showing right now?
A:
11.57.49
